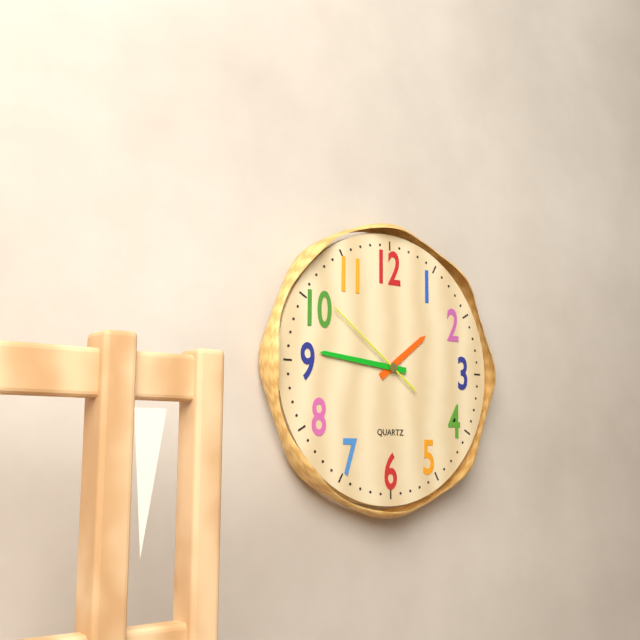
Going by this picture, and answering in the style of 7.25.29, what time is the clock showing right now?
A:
1.46.51
